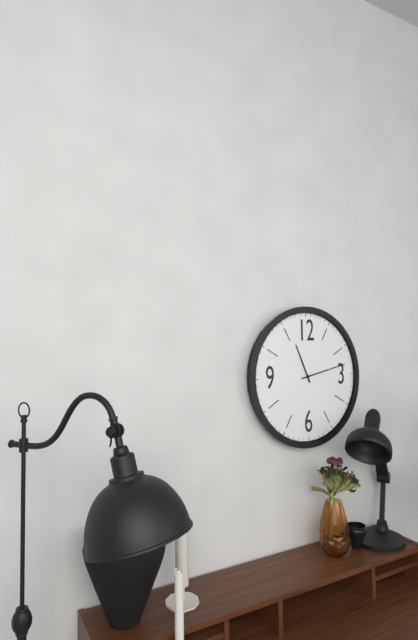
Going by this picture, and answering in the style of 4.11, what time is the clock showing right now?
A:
11.13
